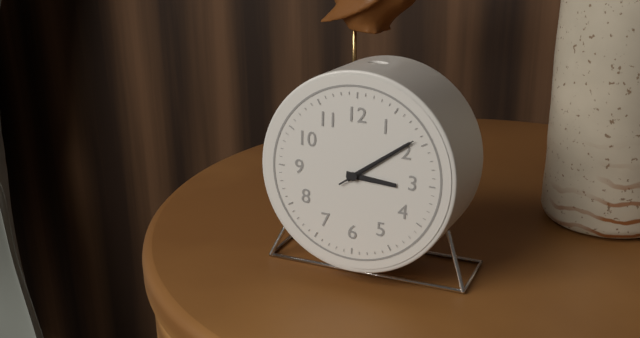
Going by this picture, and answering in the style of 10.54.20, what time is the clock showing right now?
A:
3.09.09
